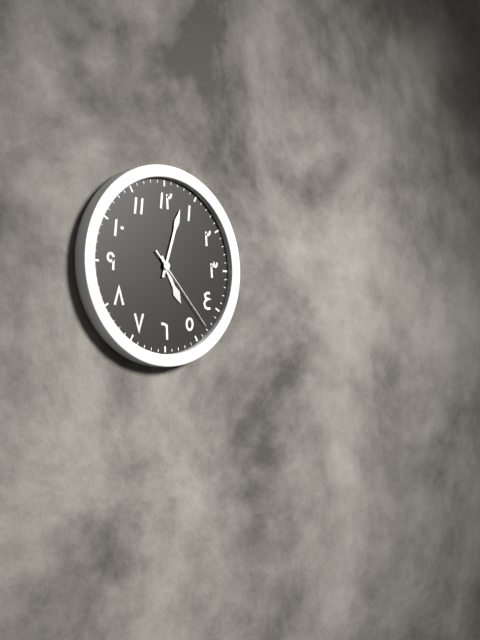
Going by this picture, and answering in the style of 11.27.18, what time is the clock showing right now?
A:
5.03.23
